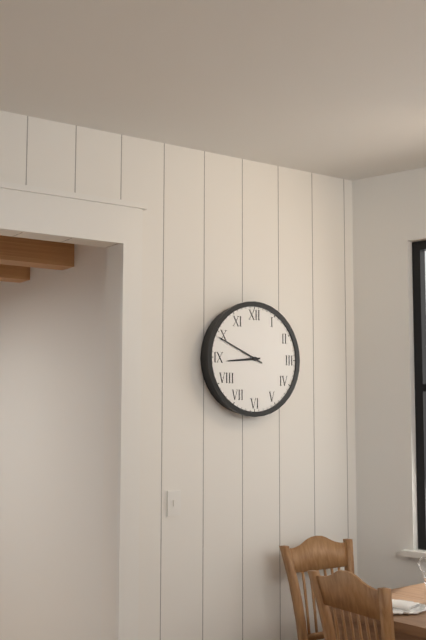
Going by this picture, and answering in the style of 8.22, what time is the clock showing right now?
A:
8.49
